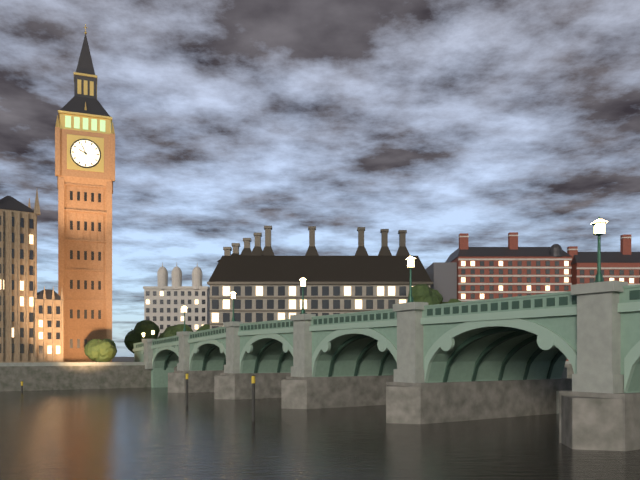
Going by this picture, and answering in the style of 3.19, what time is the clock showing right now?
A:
9.56
